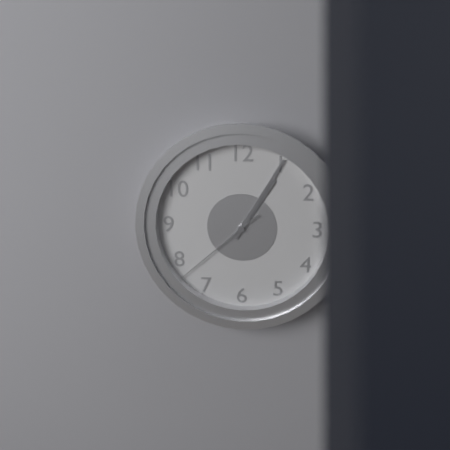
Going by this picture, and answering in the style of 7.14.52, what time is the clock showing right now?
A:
1.05.38
